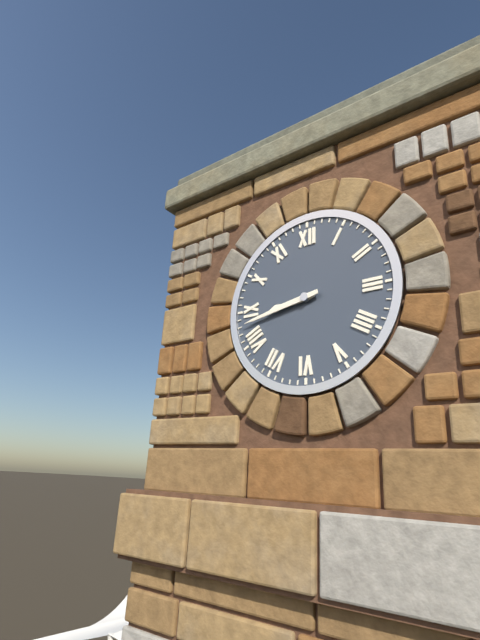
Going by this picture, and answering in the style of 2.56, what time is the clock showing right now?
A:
8.43
